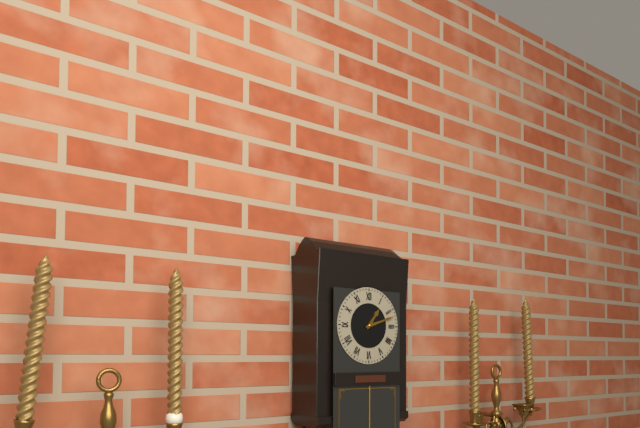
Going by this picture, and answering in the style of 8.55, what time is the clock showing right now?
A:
1.12
